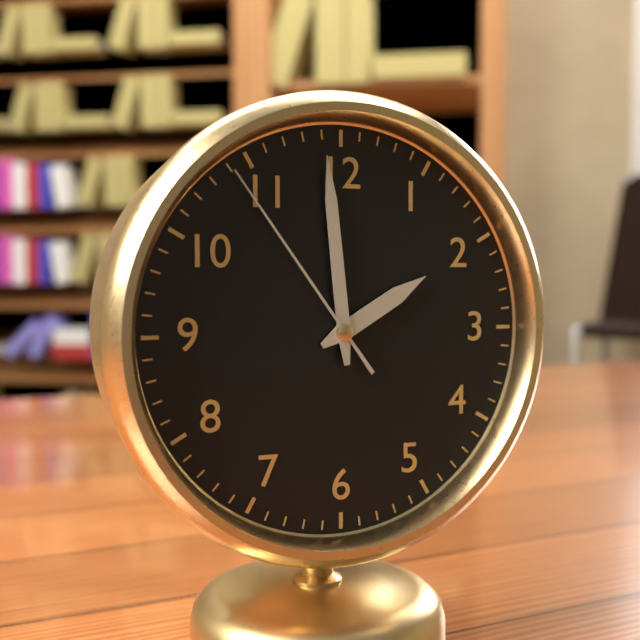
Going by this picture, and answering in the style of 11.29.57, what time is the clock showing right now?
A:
1.59.54
